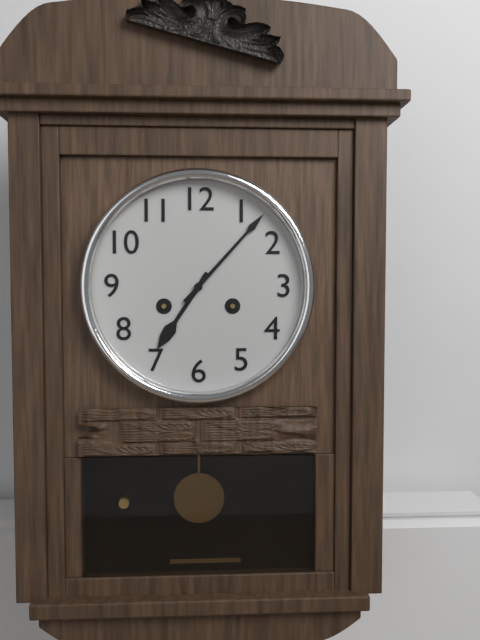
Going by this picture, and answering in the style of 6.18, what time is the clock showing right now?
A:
7.07
